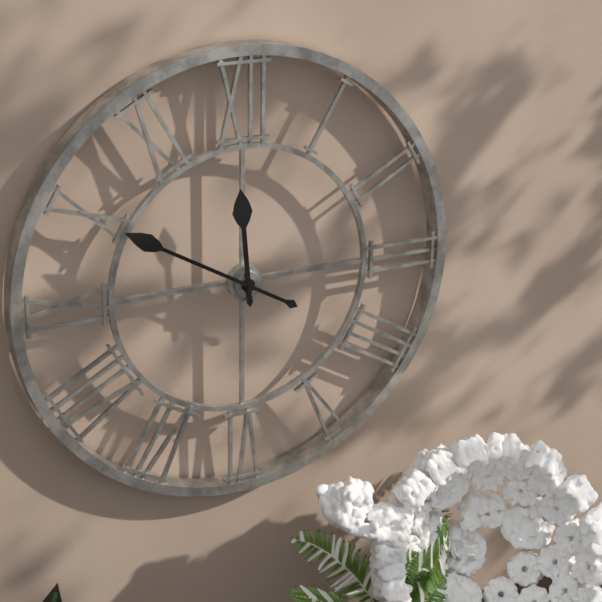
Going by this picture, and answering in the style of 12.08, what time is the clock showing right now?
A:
11.50
